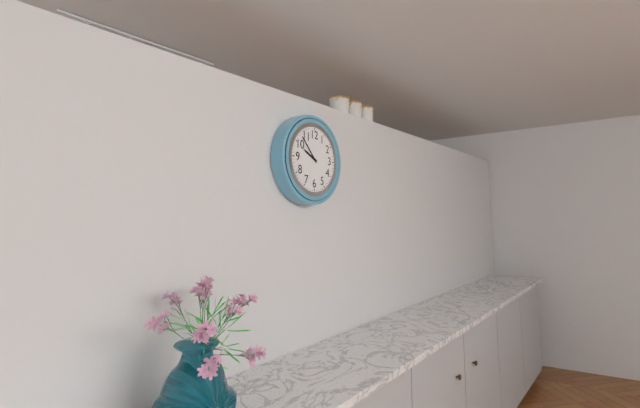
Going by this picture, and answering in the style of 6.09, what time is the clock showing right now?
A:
9.53
